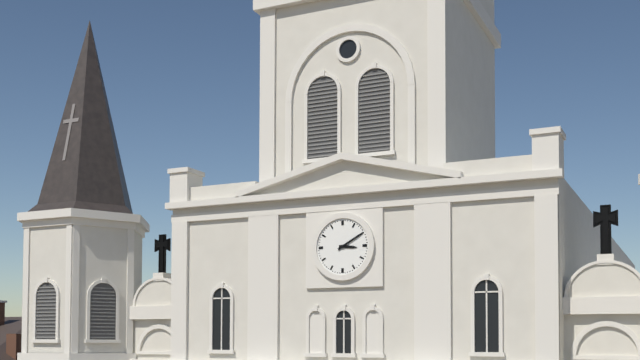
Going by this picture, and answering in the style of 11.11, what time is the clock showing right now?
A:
3.10
